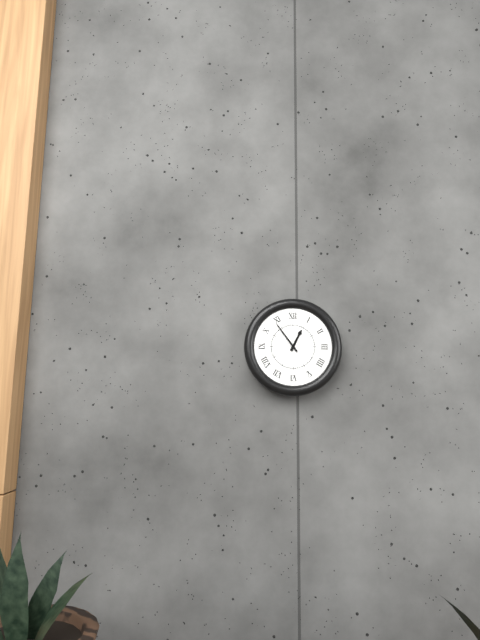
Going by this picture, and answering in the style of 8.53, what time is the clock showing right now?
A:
12.54
